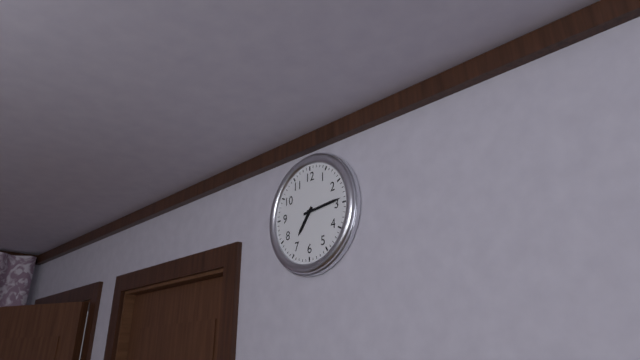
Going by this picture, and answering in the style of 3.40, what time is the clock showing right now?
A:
7.14
